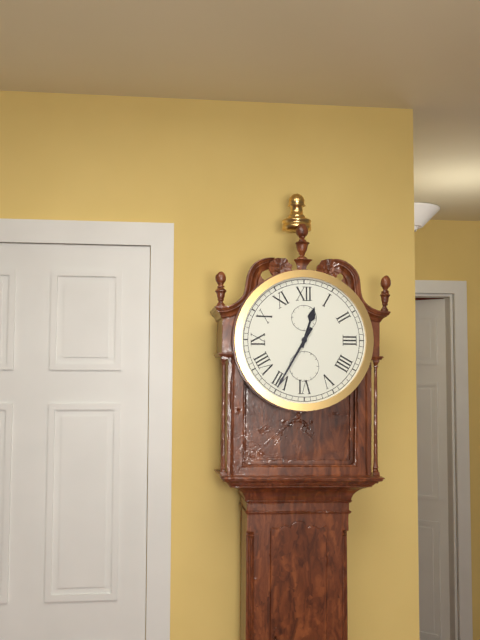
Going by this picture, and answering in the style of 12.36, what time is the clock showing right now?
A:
12.35
